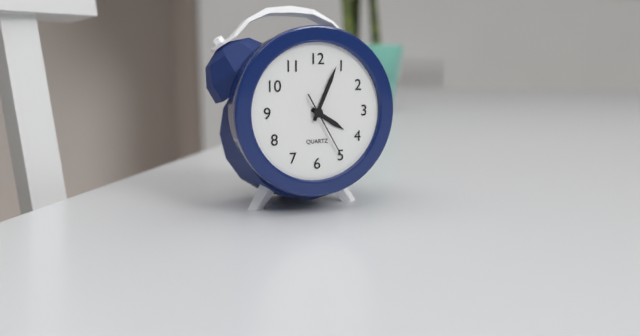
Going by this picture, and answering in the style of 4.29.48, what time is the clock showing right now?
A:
4.04.25
